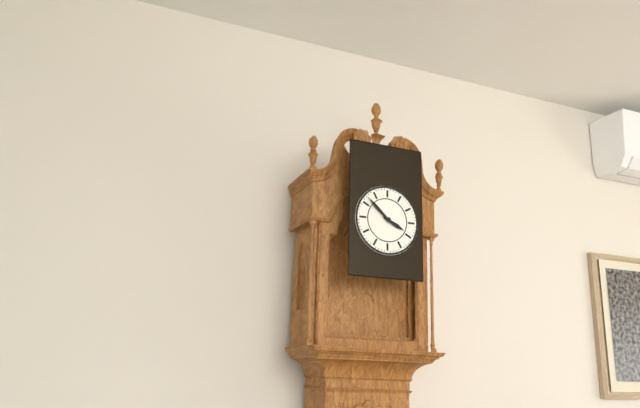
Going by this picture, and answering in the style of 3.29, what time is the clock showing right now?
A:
3.52
